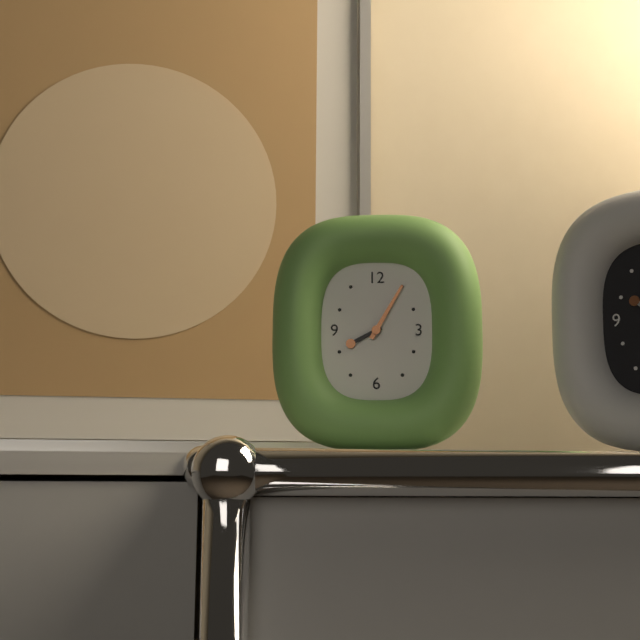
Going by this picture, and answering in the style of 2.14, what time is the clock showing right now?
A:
8.05
